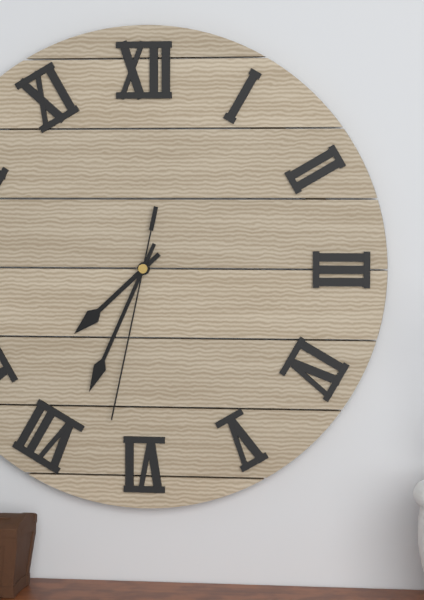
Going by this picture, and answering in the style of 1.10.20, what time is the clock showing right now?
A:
7.34.32
